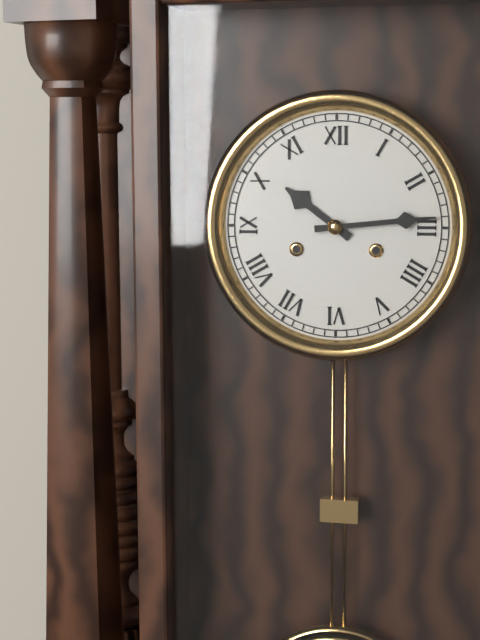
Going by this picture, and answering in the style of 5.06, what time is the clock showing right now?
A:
10.14
